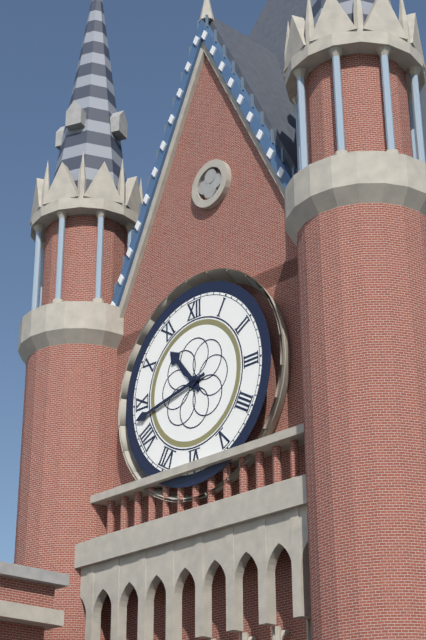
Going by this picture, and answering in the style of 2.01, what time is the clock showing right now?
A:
10.43
